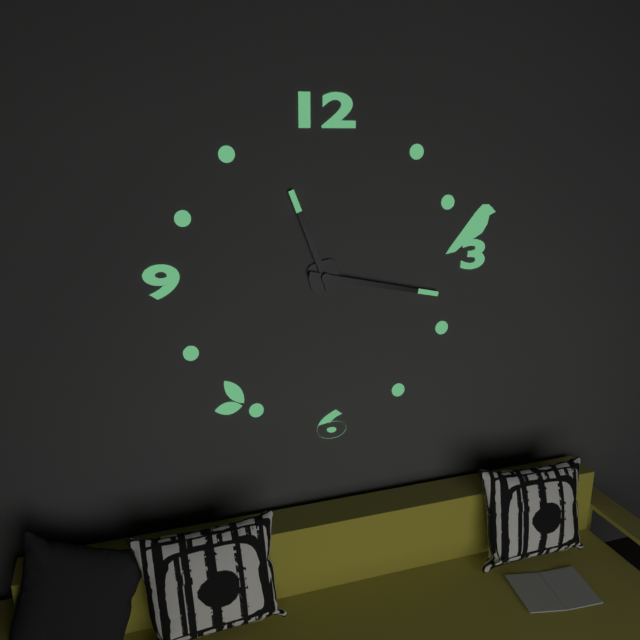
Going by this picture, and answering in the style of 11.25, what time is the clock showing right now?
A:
11.17
